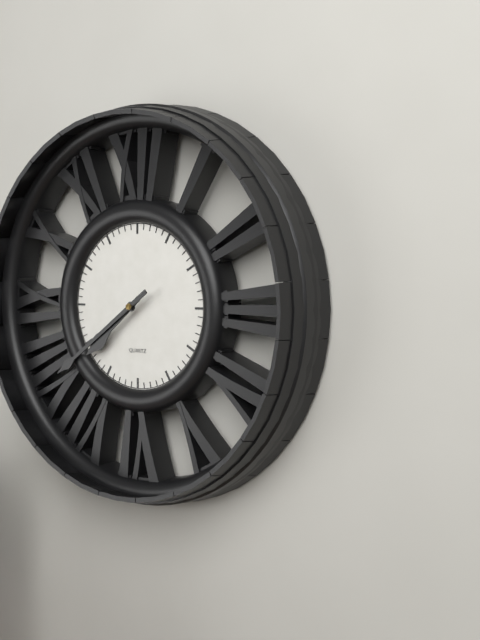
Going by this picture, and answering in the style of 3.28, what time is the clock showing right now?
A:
7.39
